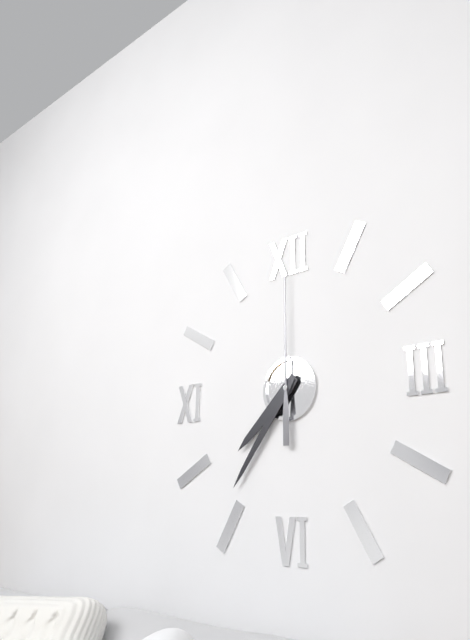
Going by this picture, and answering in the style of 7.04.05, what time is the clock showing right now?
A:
7.36.00
